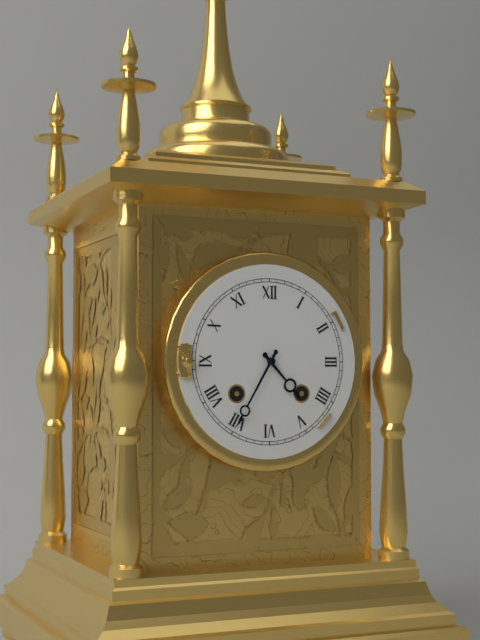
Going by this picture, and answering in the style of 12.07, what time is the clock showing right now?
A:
4.35
